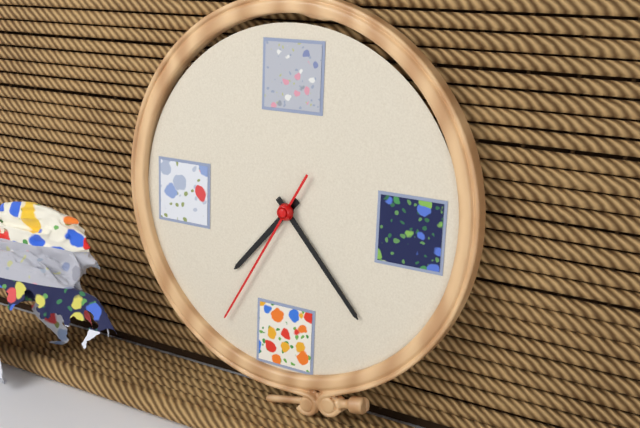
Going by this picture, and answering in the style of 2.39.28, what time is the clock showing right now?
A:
7.23.35
